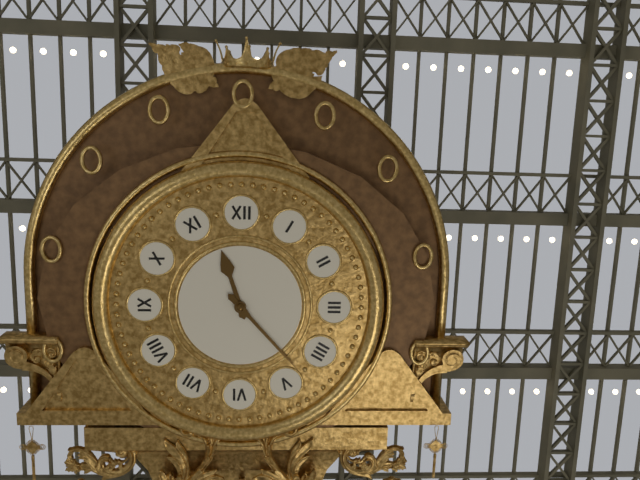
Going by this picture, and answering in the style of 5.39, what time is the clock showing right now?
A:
11.23
